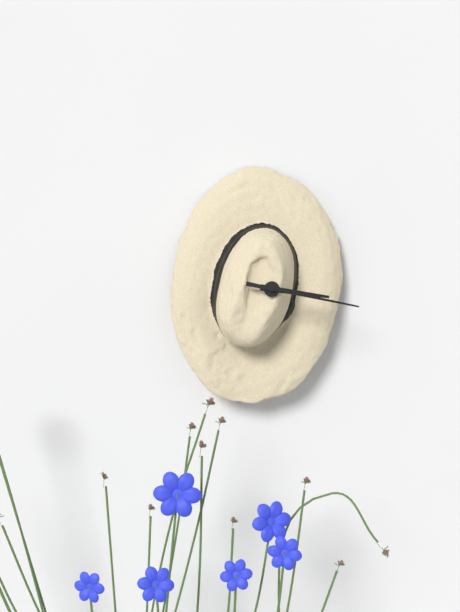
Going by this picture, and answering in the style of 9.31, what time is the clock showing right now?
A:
3.17
